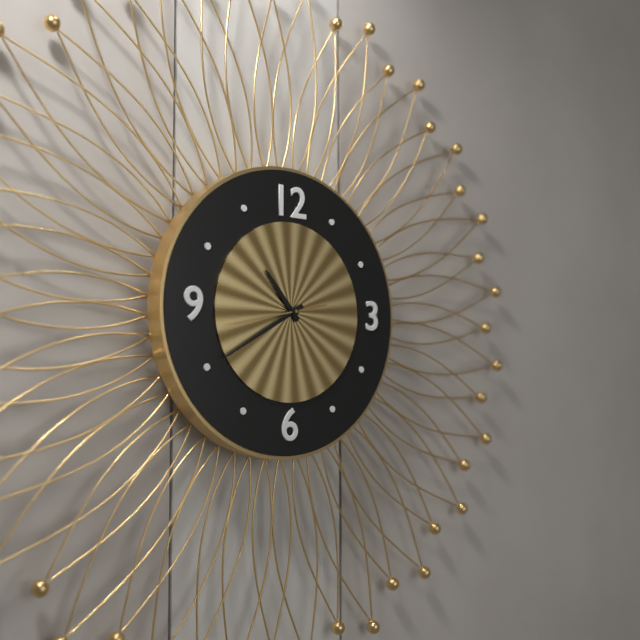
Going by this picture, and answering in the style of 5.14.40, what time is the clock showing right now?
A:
10.40.43
